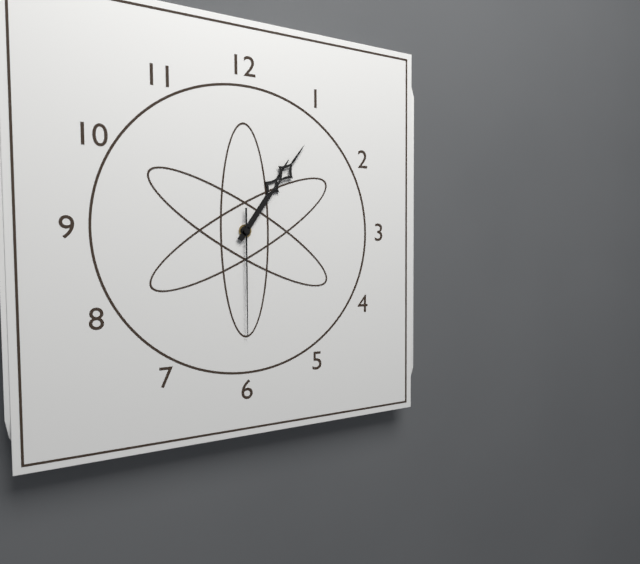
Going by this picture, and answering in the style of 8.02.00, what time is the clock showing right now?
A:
1.06.30
